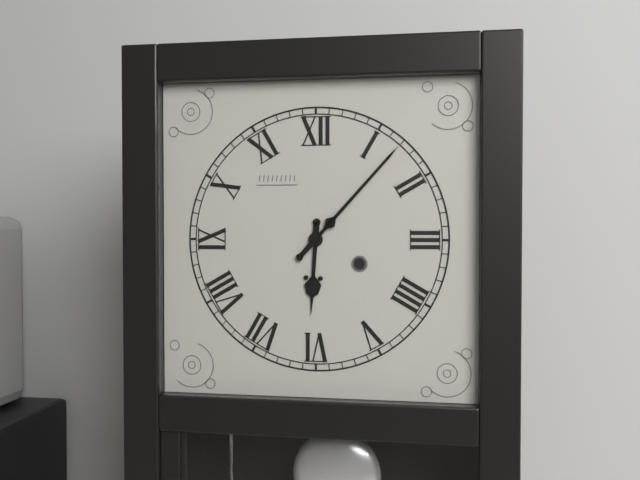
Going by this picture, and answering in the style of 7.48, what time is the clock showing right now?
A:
6.07
